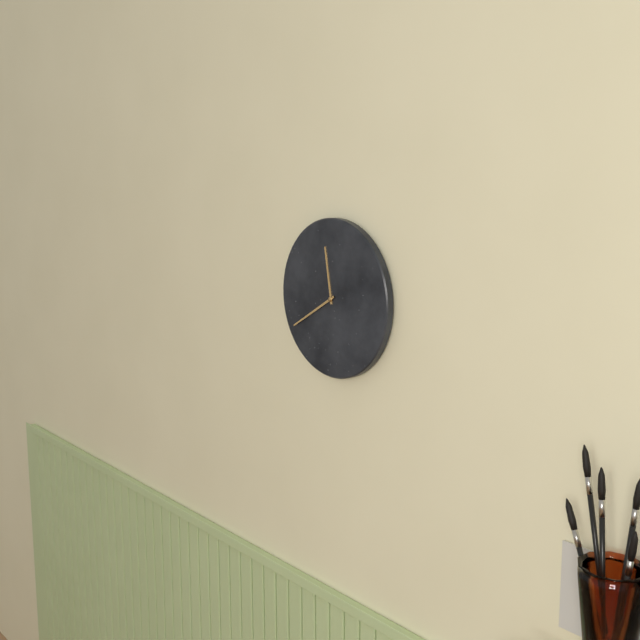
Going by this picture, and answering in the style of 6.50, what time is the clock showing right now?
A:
11.40
